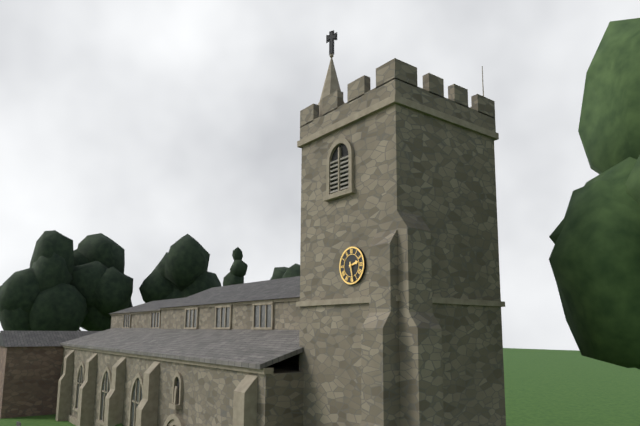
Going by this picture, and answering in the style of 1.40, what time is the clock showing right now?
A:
2.28
